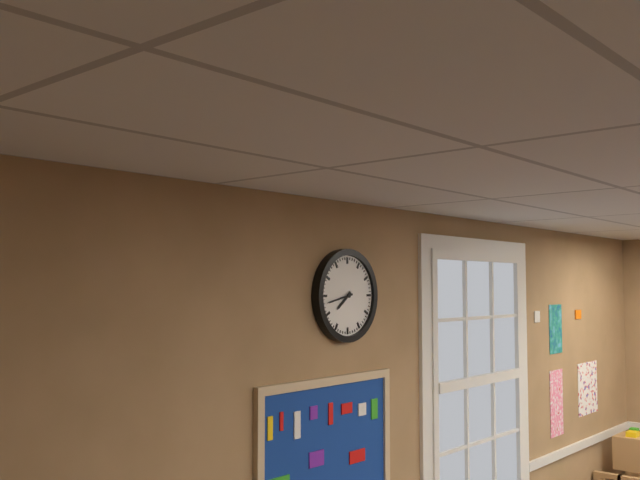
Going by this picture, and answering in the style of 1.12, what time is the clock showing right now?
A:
7.43
